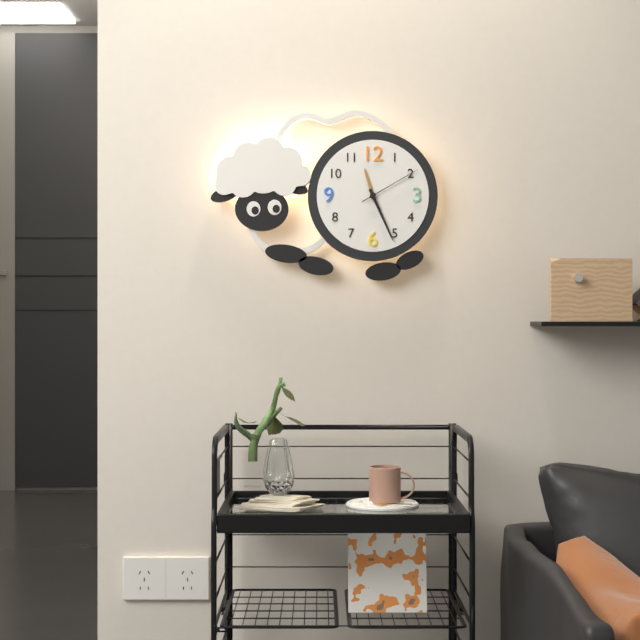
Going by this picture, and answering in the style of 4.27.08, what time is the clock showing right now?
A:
11.26.10
